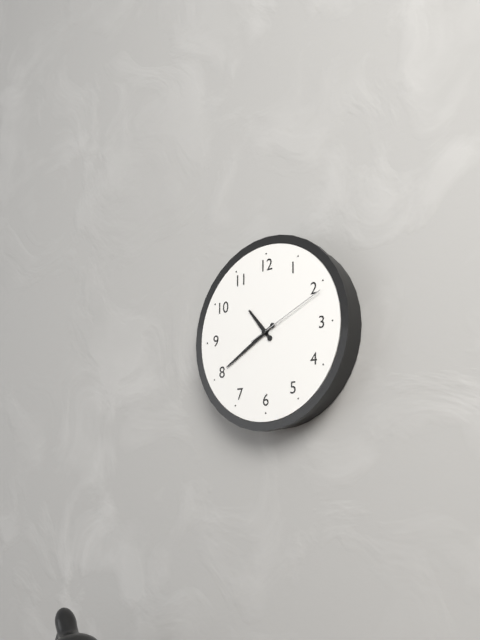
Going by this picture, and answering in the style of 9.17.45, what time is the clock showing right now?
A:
10.40.11
